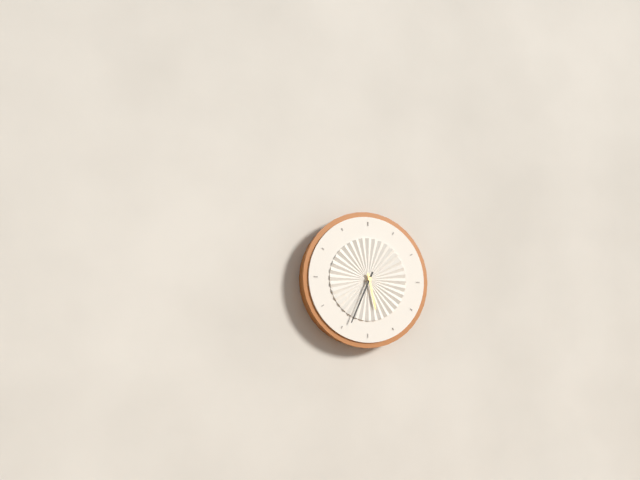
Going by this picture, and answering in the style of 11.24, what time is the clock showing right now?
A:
5.34
